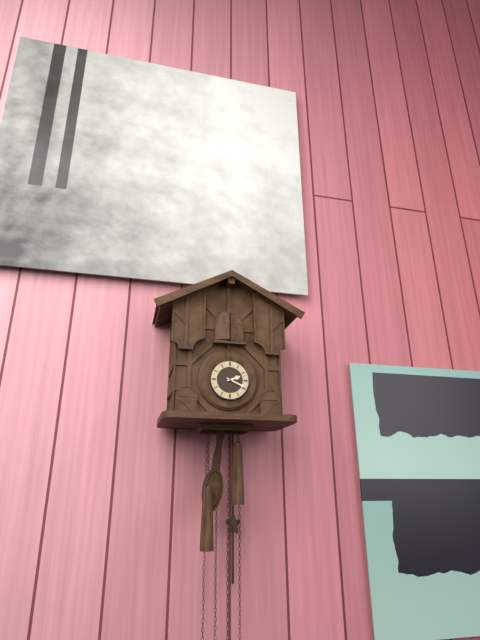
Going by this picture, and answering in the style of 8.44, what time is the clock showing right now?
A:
2.19
